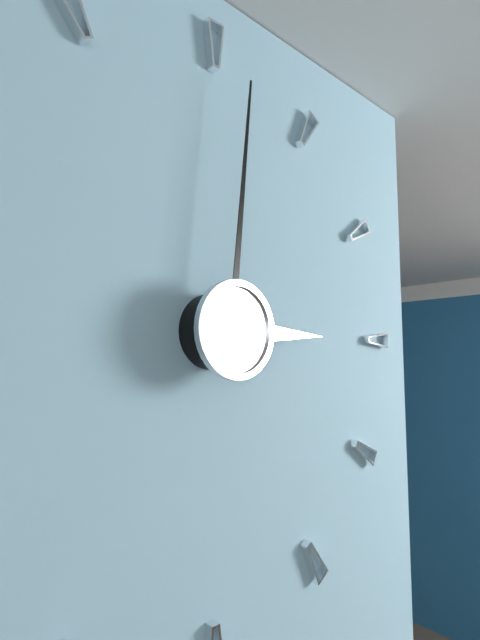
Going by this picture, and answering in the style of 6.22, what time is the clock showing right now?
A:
3.01
